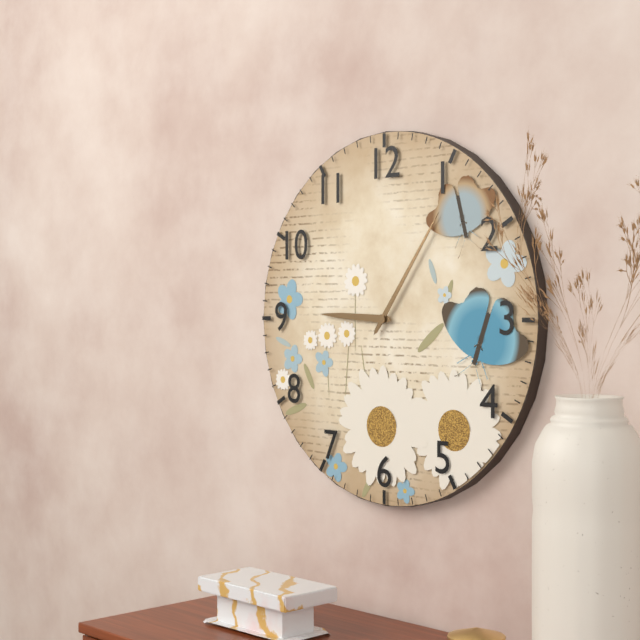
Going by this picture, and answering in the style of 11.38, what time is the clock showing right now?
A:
9.06
